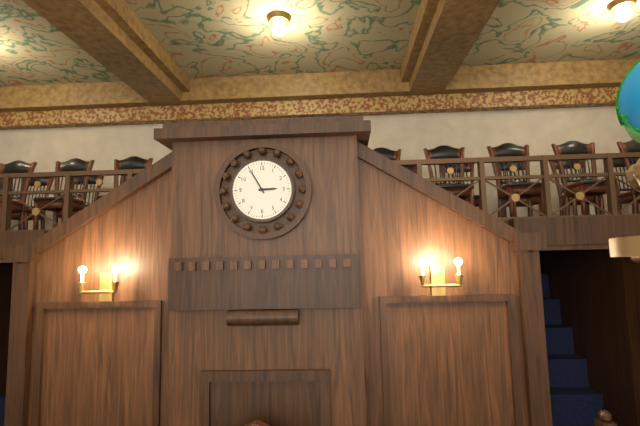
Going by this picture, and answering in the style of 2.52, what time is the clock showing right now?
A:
2.55
